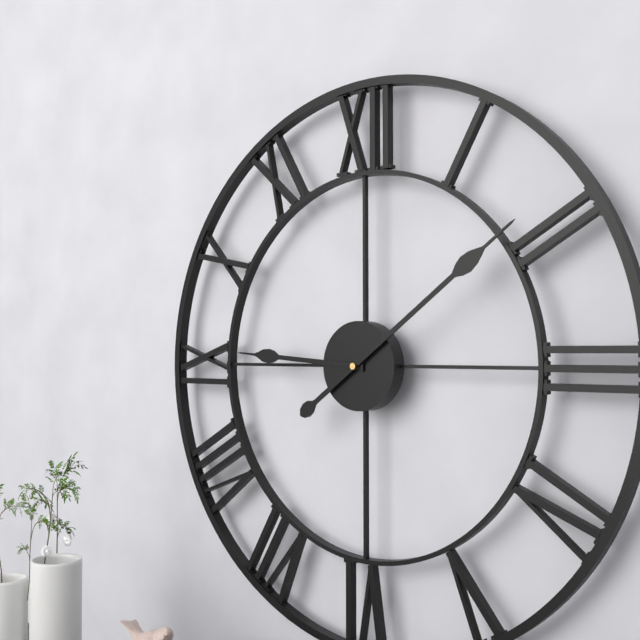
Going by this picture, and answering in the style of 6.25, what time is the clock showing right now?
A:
9.09
